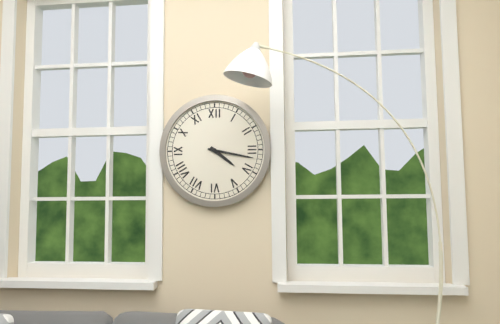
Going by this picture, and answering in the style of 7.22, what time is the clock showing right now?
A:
4.17
